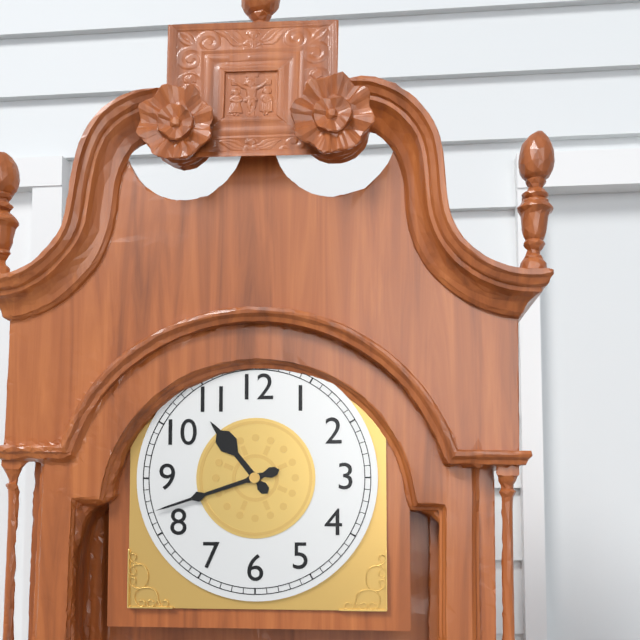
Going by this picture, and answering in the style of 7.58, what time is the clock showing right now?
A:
10.42
